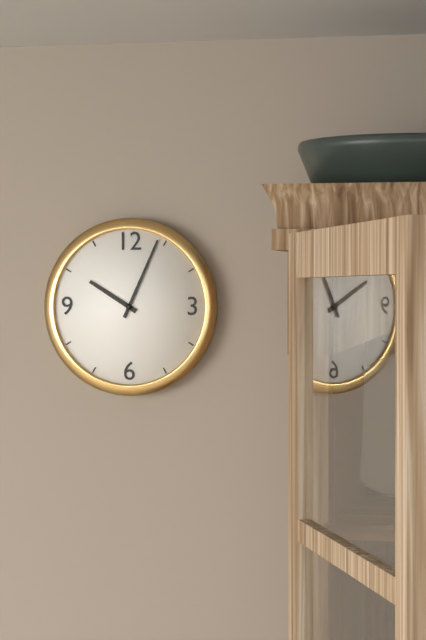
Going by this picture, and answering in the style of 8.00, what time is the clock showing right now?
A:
10.04
